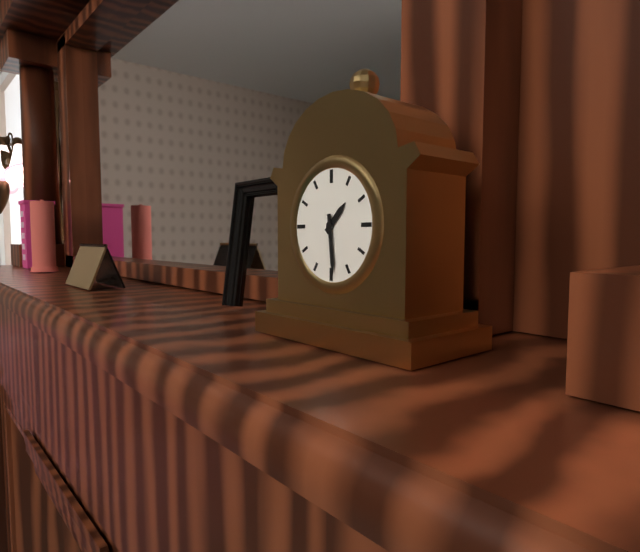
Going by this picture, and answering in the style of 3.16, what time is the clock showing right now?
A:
1.29
